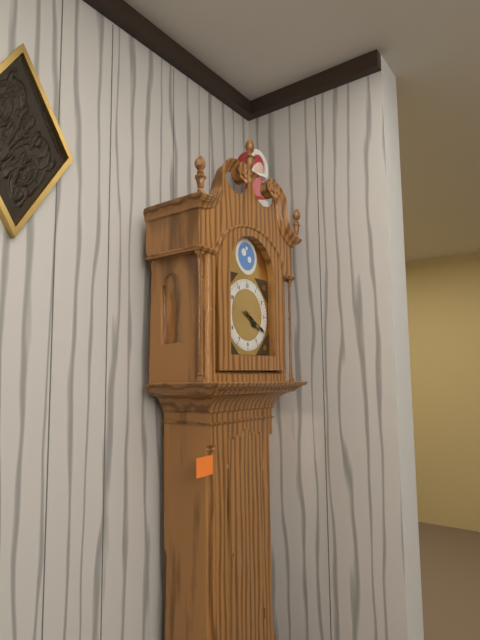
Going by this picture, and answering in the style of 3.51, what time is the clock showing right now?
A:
4.20
